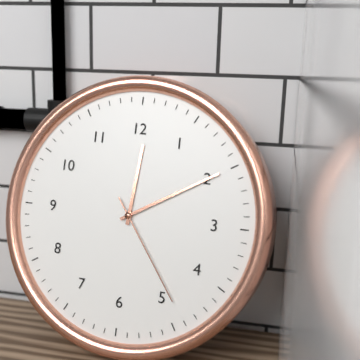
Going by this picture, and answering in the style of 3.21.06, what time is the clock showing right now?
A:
12.10.24
